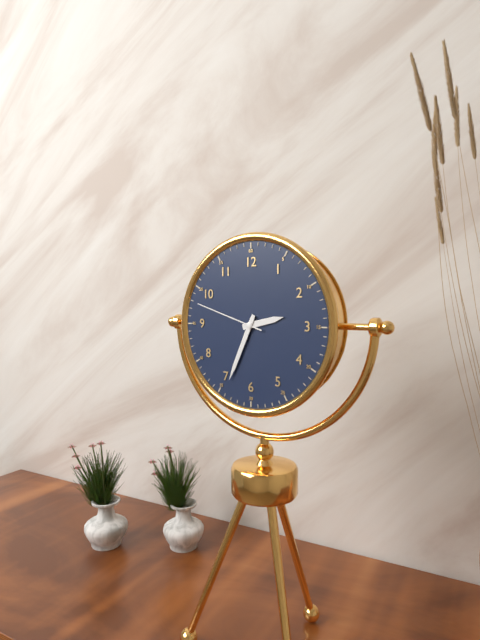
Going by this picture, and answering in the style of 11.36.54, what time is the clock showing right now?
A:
2.34.48
